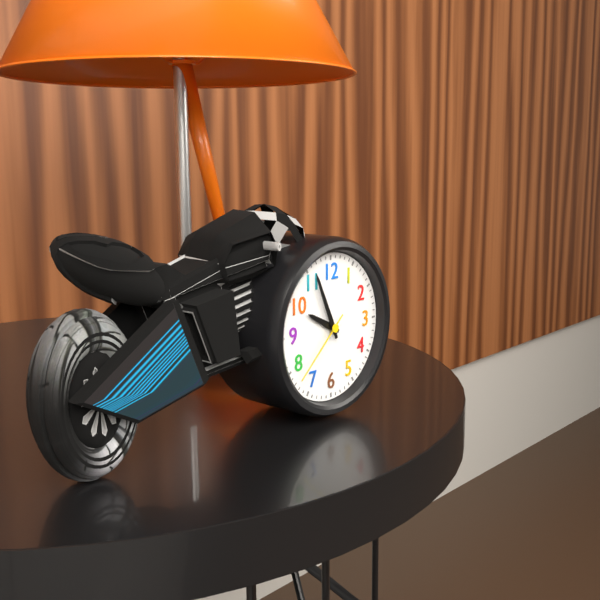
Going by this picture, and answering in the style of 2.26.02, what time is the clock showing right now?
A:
9.56.38
